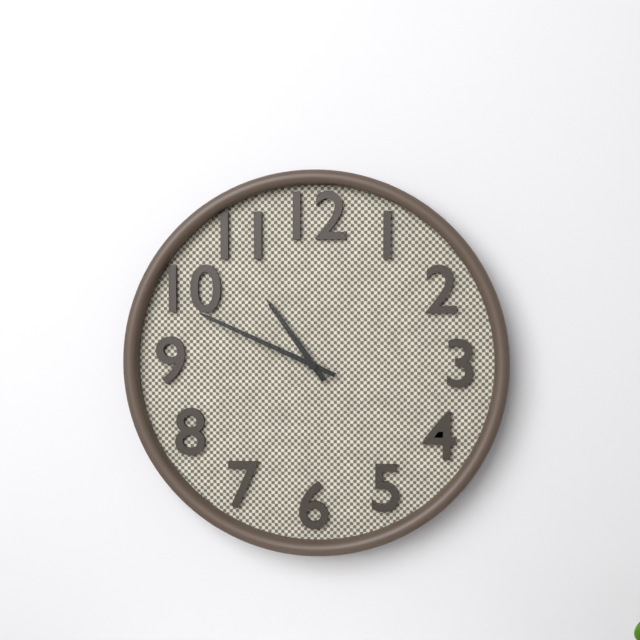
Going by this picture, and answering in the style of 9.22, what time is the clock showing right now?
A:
10.49
